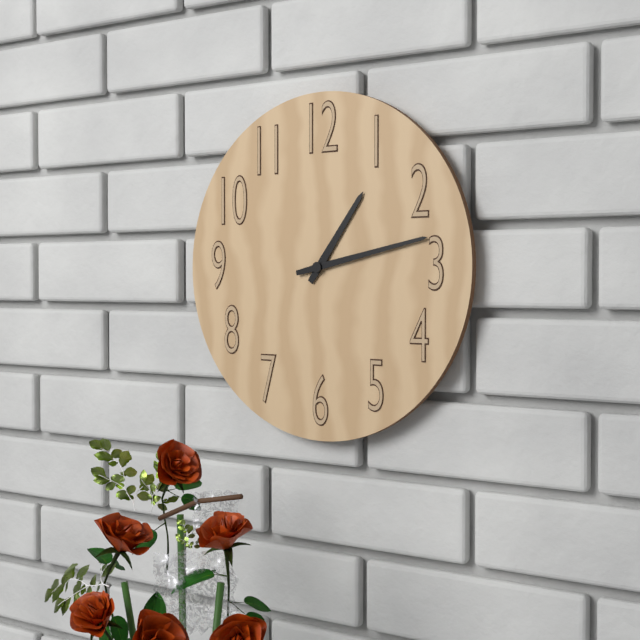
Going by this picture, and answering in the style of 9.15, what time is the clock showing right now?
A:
1.13
